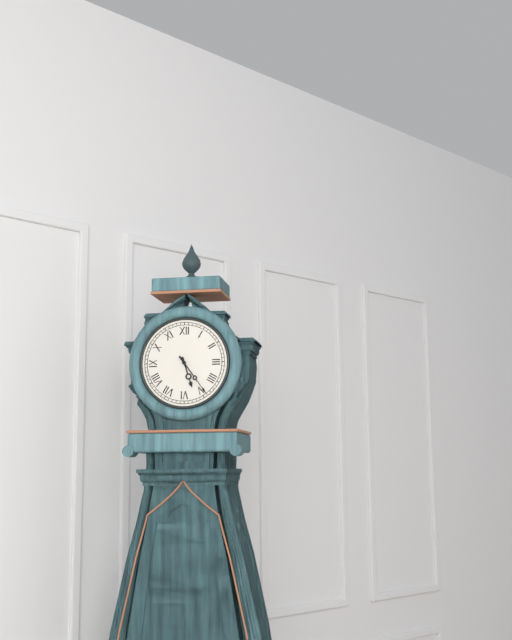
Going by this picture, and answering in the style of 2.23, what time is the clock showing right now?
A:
5.24
